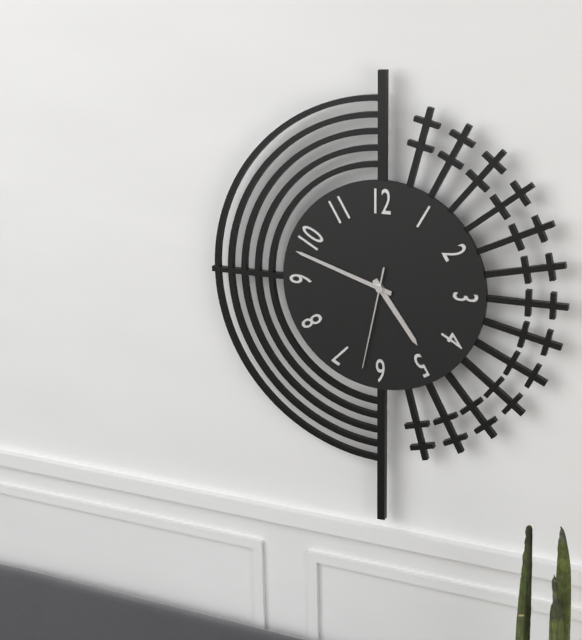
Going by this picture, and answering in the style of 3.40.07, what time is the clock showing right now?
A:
4.48.32
